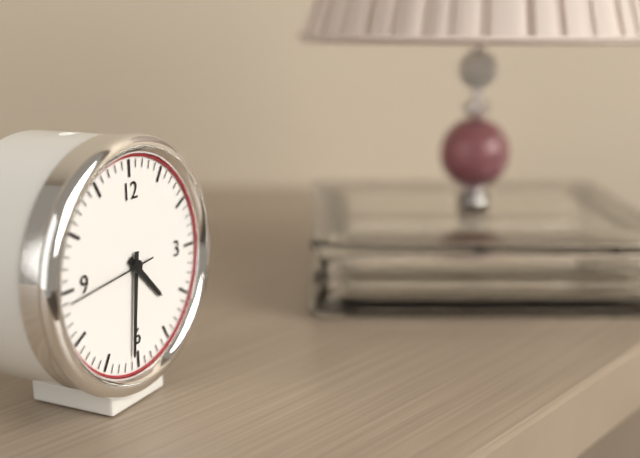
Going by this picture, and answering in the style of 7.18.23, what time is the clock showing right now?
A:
4.31.44
